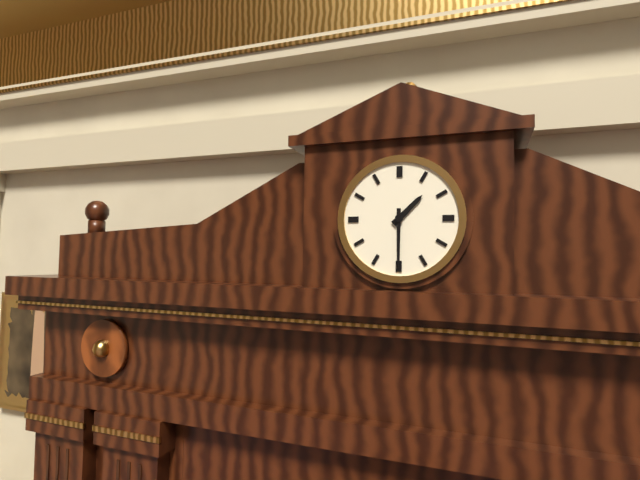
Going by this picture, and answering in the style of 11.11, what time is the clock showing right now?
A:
1.30
